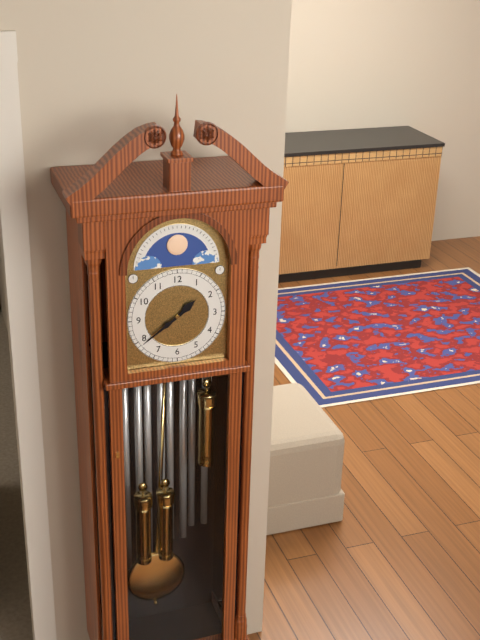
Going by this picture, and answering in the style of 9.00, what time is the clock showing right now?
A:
1.39
